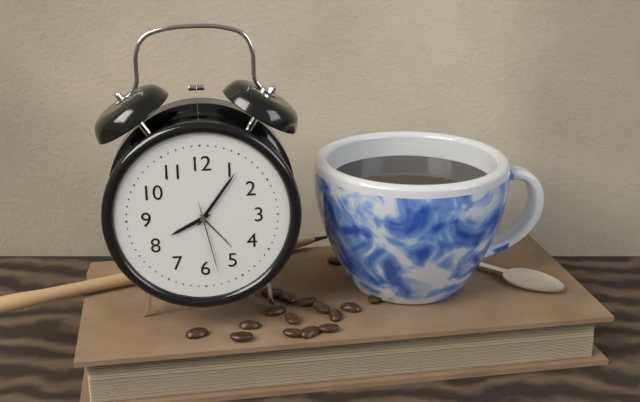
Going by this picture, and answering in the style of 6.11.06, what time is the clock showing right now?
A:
8.06.28
